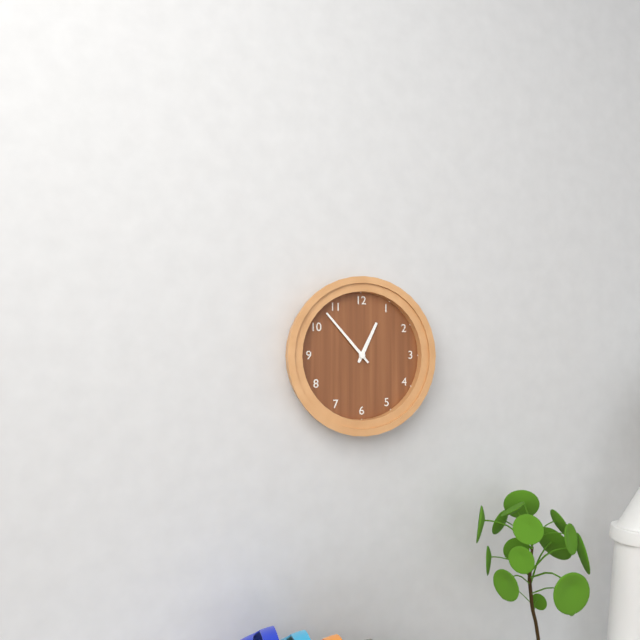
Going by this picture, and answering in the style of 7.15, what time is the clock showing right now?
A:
12.53
